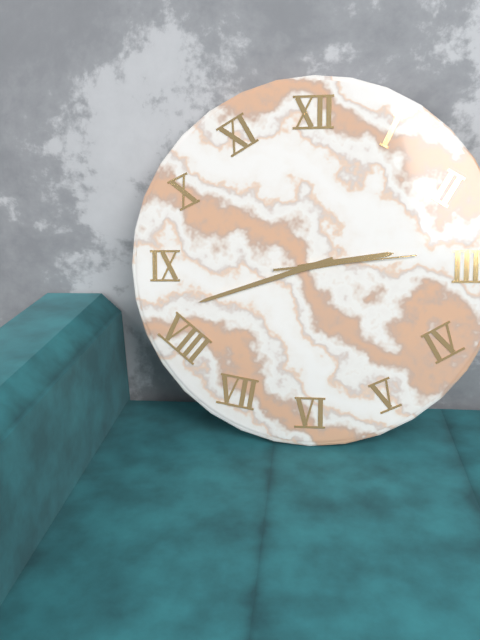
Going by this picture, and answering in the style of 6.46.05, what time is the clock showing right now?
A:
2.42.14
